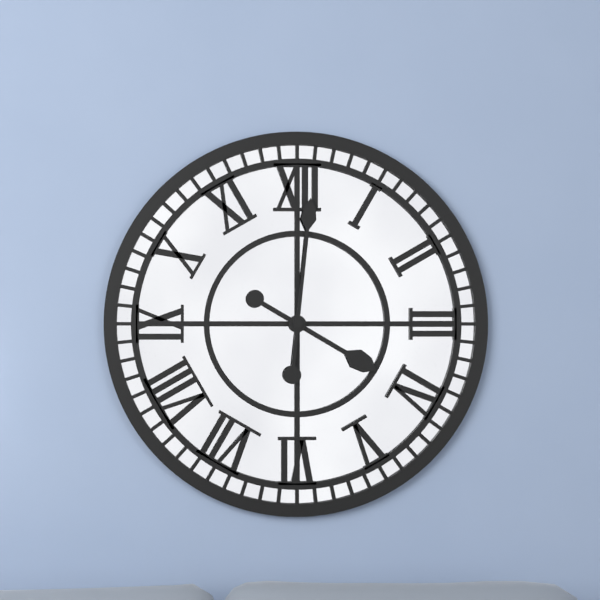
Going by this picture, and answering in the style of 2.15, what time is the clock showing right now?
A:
4.01
